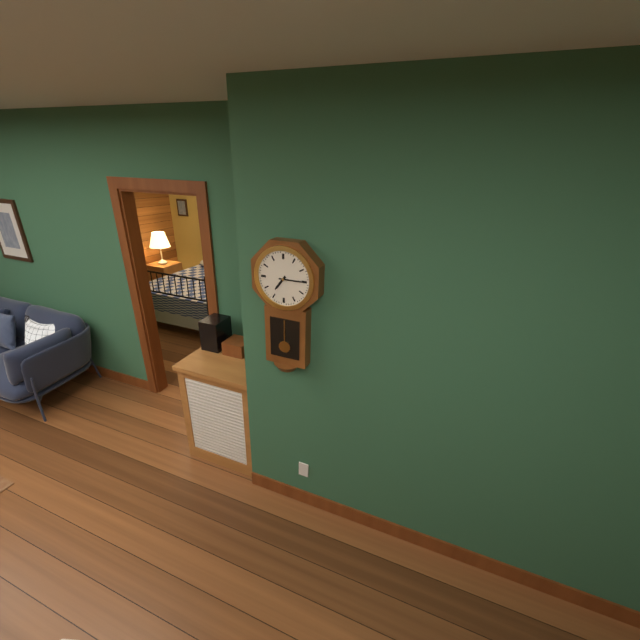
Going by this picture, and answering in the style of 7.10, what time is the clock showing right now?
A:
7.15
